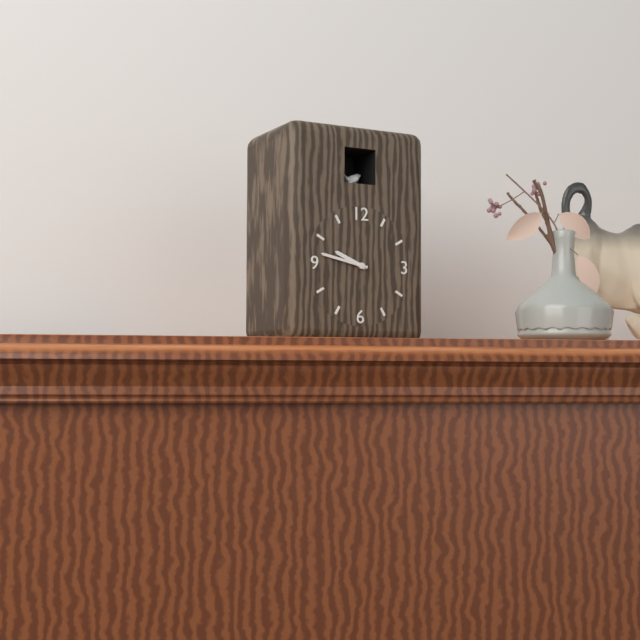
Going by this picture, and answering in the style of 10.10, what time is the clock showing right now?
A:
9.47
